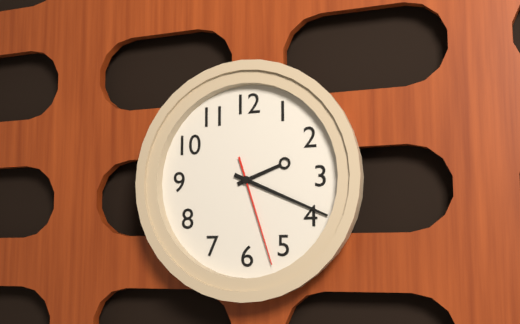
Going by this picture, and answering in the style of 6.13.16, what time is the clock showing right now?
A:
2.19.27
